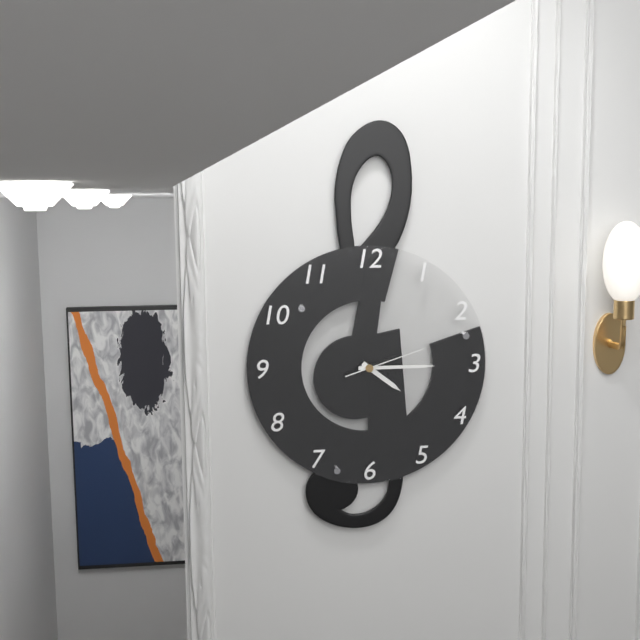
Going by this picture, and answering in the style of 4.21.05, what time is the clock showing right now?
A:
4.15.12
